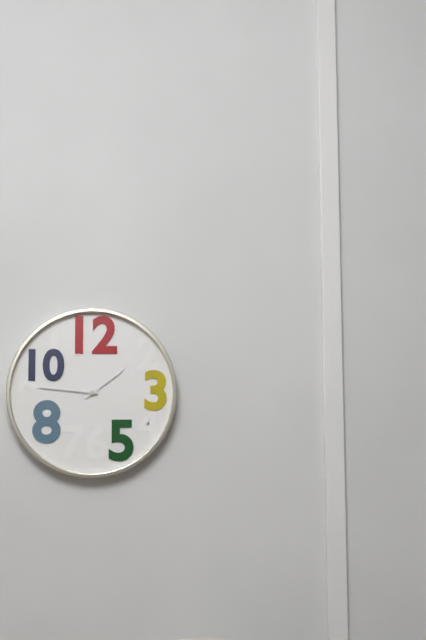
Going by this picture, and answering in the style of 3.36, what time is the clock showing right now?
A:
1.46
